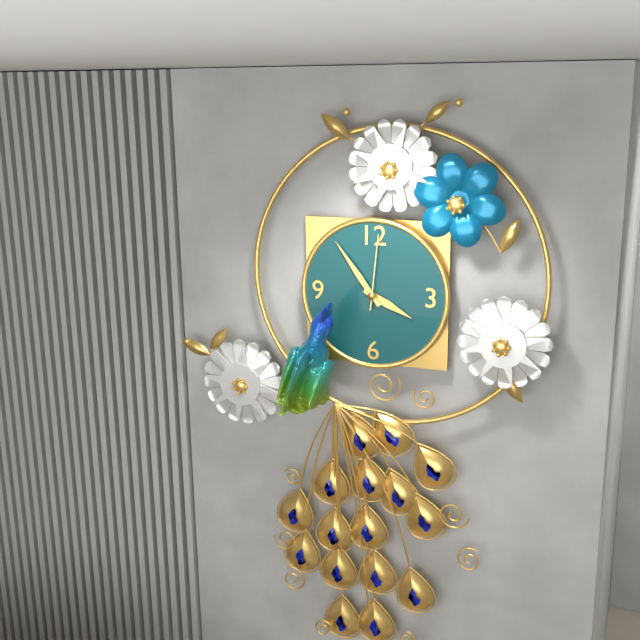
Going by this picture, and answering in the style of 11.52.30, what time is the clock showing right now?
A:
3.54.01
